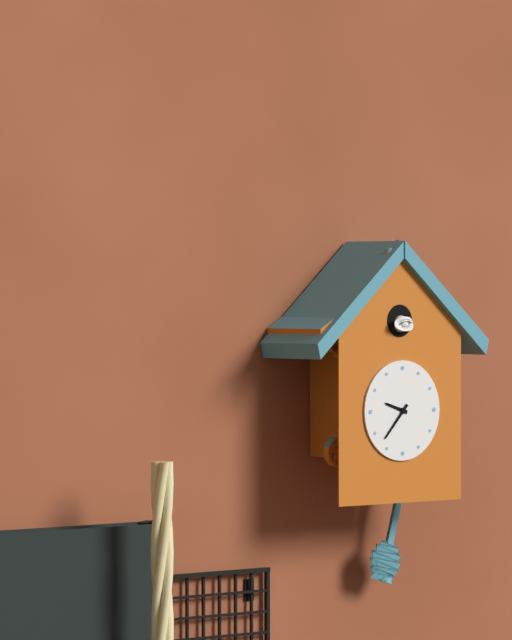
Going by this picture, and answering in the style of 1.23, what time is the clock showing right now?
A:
9.37
